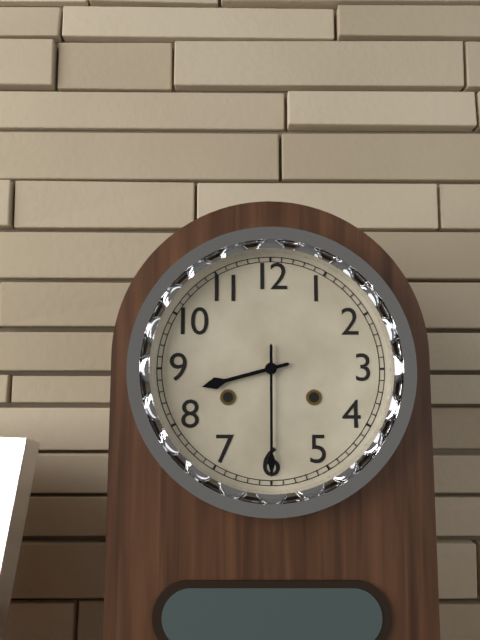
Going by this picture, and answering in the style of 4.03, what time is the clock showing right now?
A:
8.30
